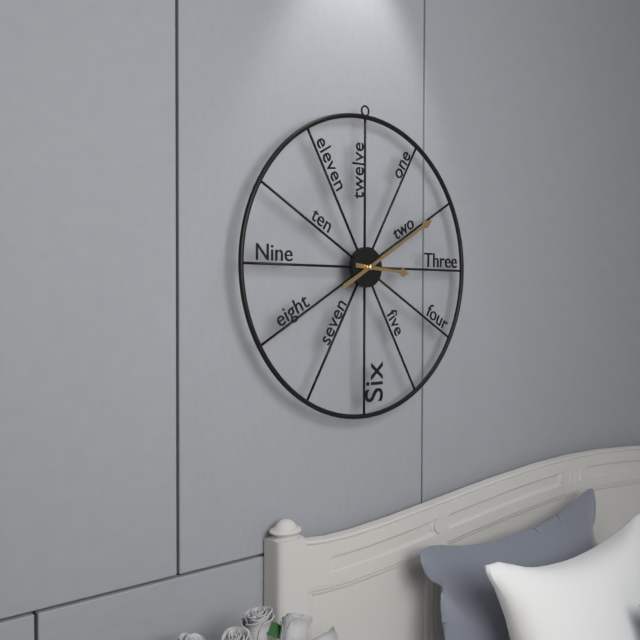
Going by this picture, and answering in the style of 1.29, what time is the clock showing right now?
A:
3.10
